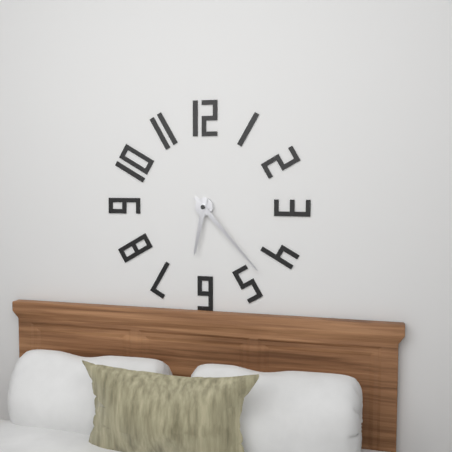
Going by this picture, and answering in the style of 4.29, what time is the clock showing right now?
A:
6.23
